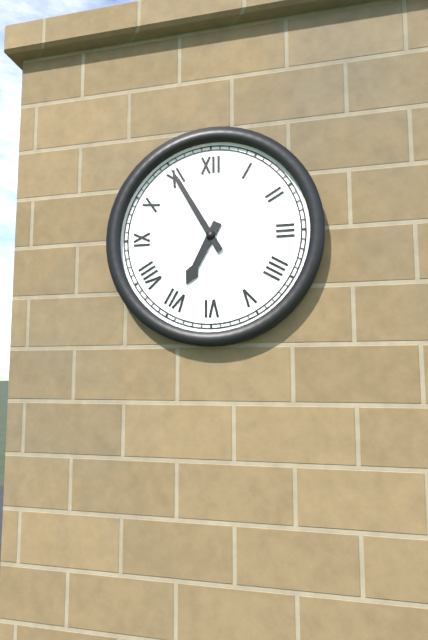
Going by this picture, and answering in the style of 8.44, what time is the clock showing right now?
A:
6.55
